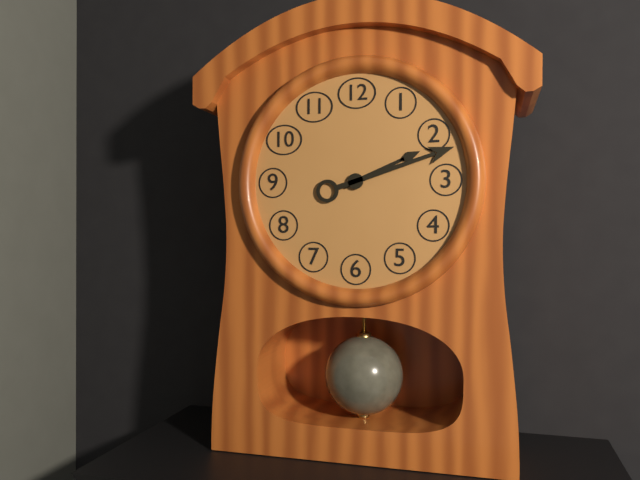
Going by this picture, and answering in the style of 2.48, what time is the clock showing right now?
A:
2.12
